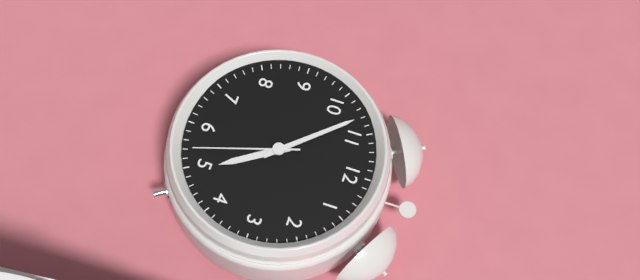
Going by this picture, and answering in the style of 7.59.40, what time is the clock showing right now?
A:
4.53.27
